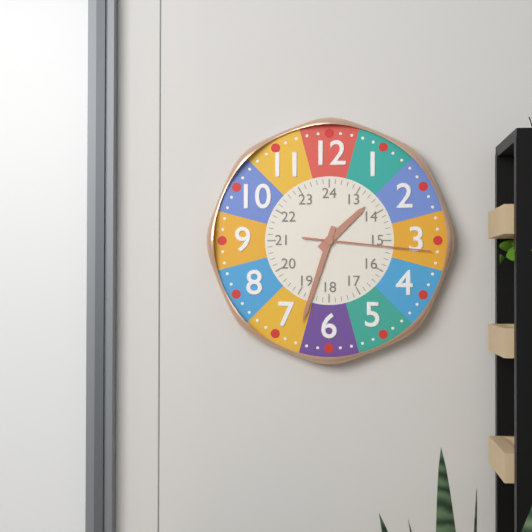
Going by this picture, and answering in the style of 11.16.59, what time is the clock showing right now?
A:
1.33.16
